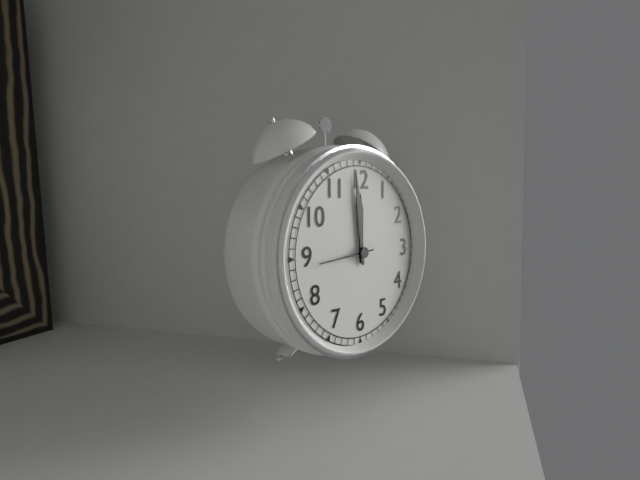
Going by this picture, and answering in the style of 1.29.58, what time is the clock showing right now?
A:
11.59.44
